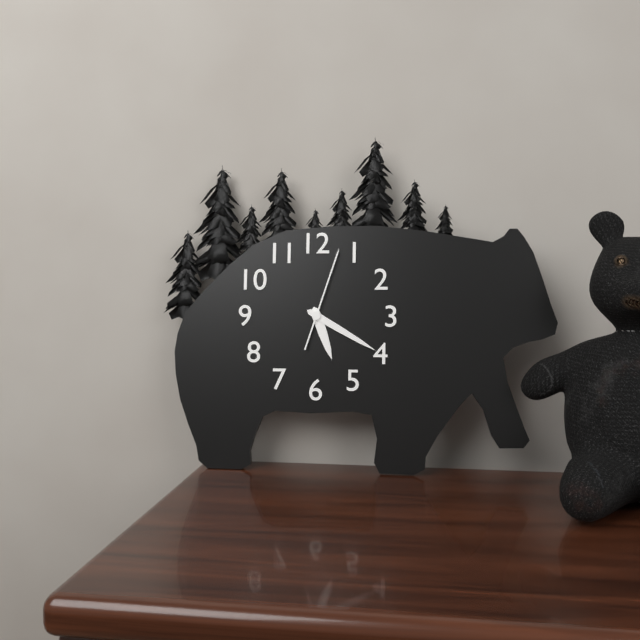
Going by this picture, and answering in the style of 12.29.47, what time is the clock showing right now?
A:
5.20.03
